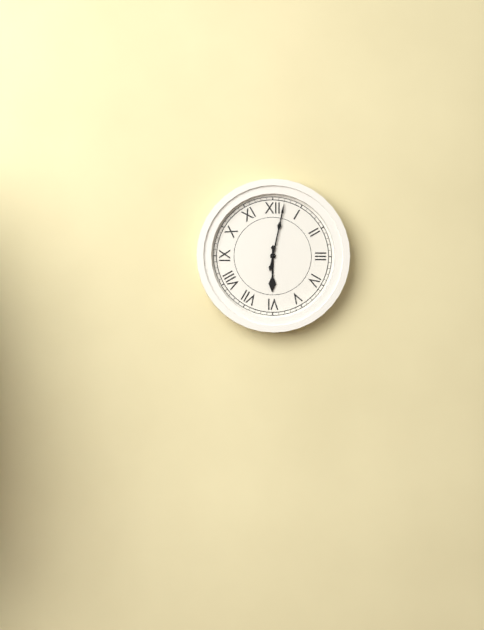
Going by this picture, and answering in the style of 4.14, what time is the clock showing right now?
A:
6.02
